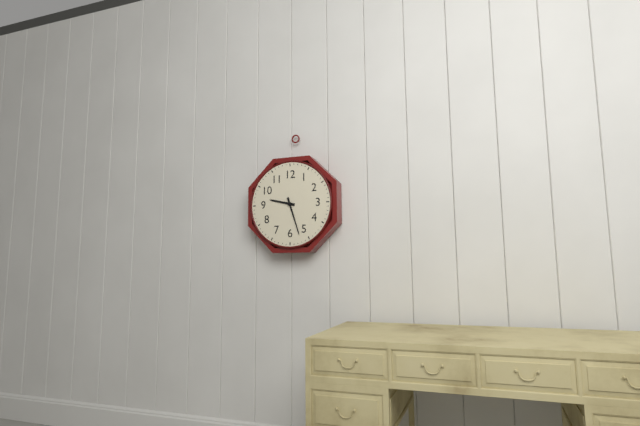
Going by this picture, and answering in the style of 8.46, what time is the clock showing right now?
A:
9.27
